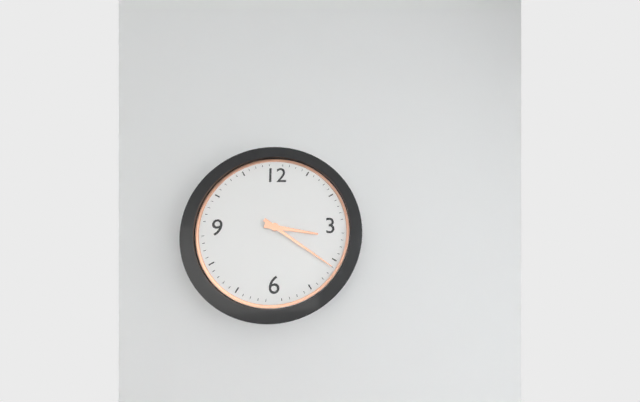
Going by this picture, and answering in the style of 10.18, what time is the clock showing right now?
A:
3.21
